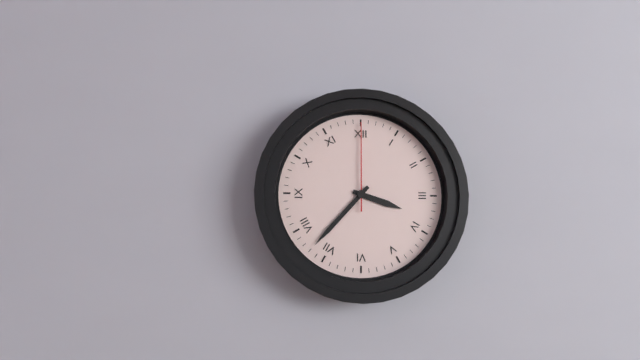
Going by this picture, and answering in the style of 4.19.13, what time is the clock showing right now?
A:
3.37.00
